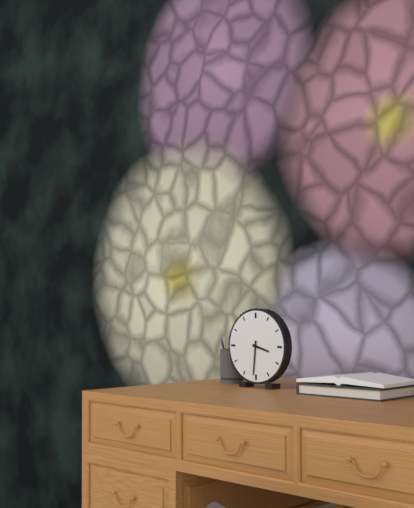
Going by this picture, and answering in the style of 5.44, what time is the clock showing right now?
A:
3.31
